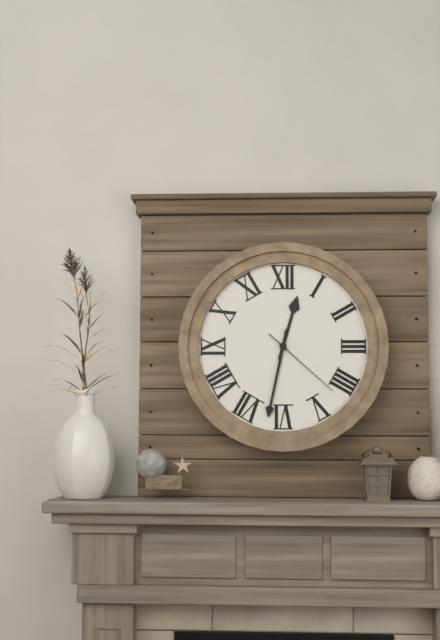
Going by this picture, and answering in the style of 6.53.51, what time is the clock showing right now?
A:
12.32.22
